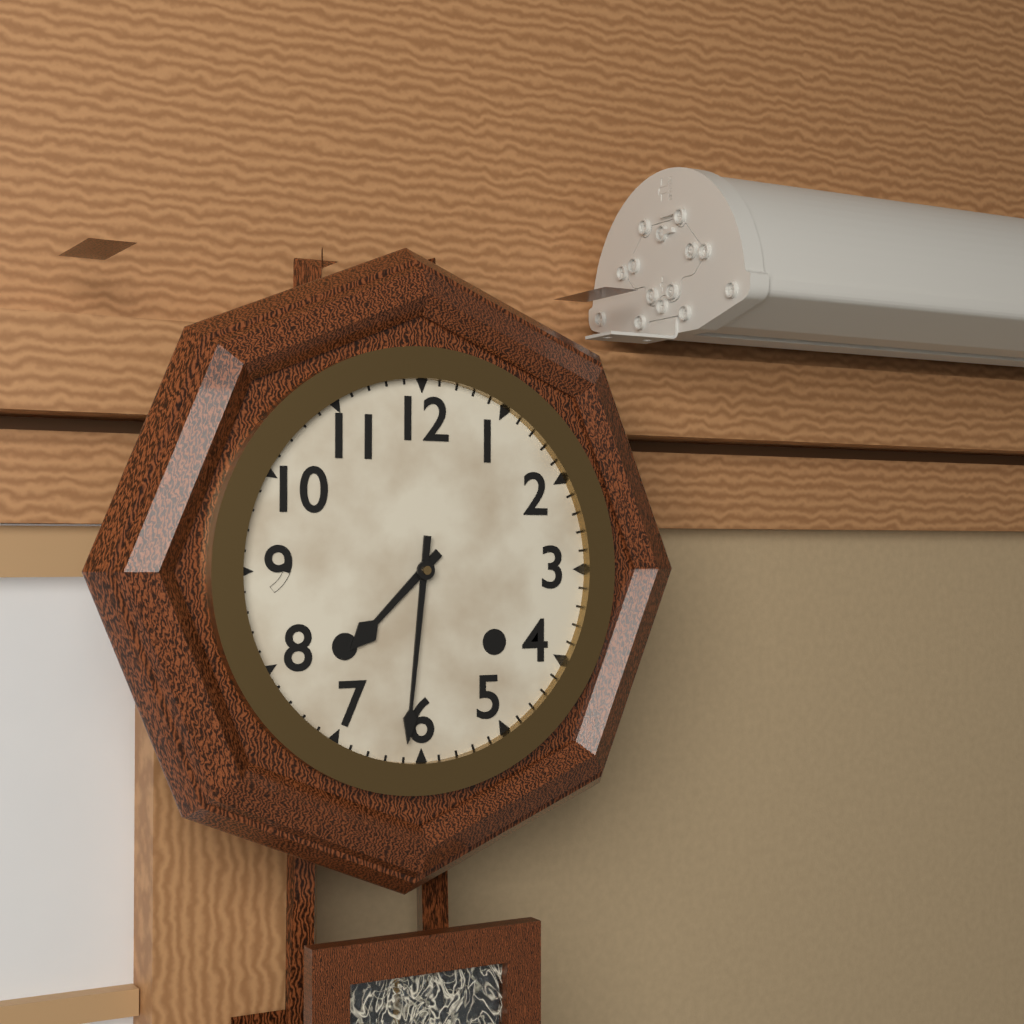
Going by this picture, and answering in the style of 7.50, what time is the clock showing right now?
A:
7.31
